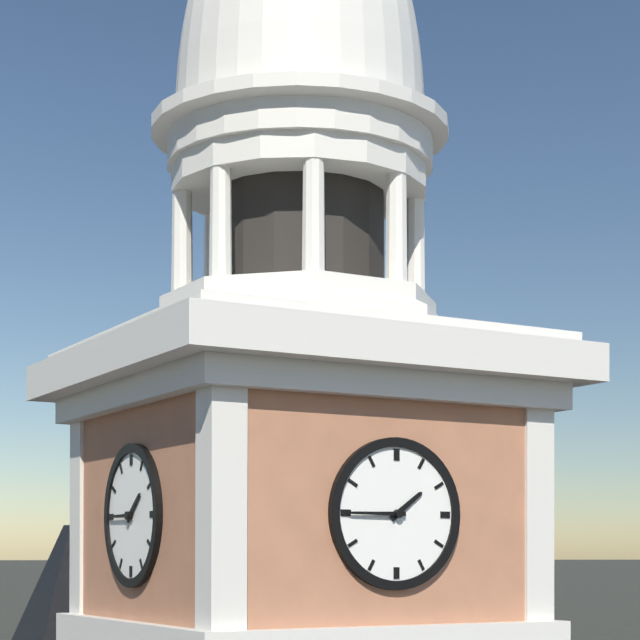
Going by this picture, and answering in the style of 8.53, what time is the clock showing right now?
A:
1.45
